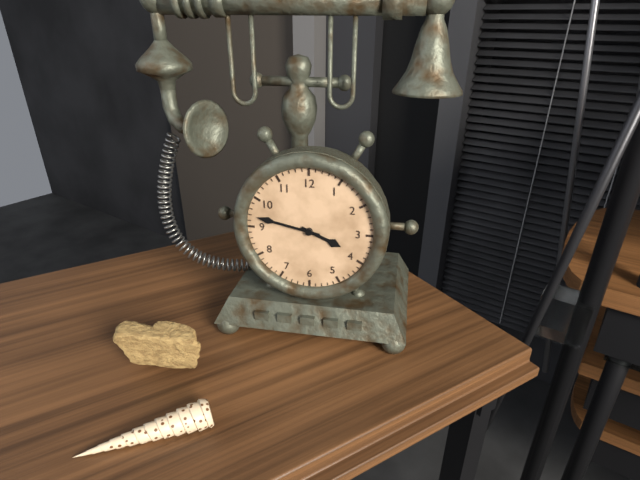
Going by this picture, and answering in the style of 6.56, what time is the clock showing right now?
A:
3.47
